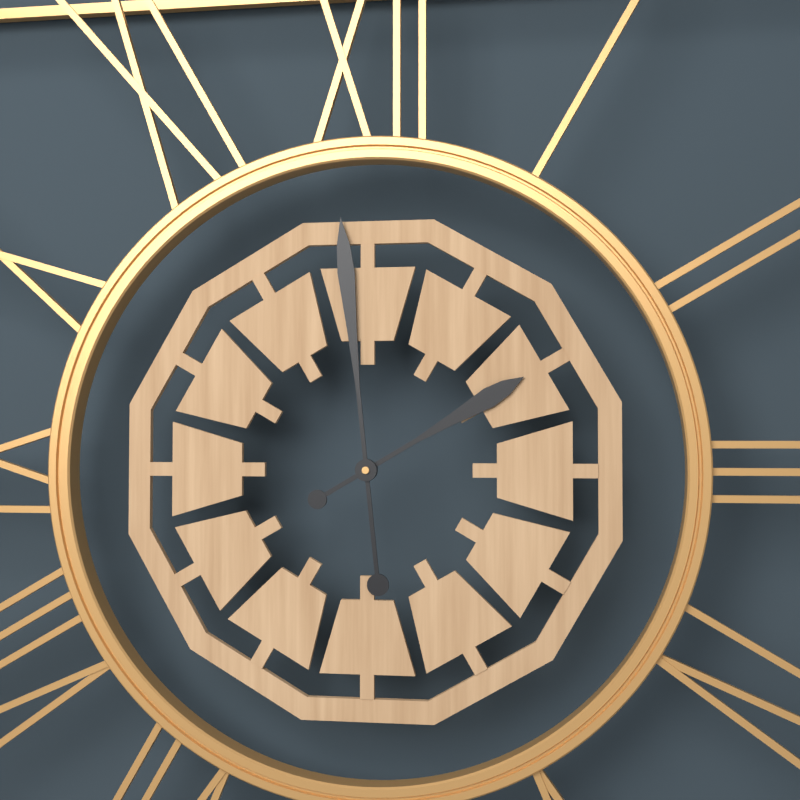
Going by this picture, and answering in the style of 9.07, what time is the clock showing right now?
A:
1.59
